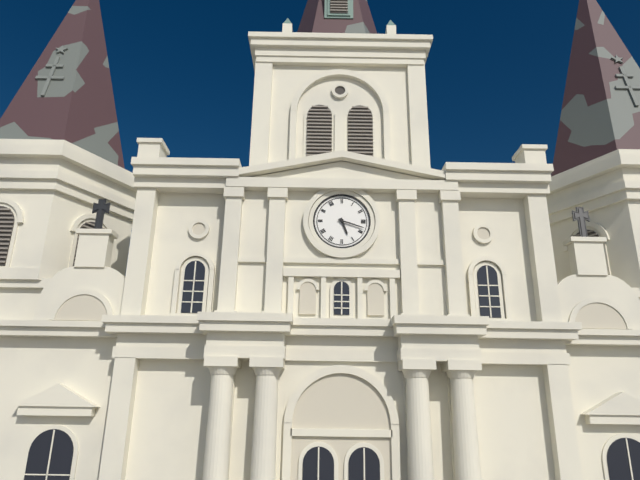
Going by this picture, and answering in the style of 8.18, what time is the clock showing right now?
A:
5.18
